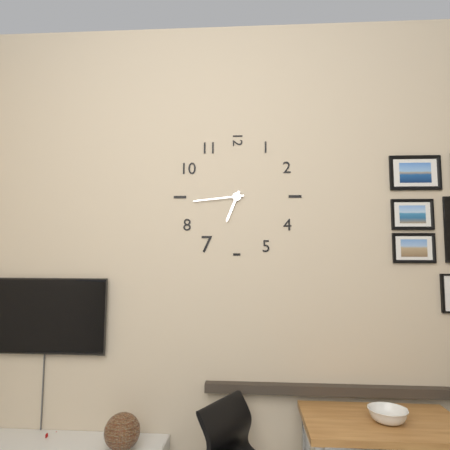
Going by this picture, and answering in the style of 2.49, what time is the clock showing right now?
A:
6.44
